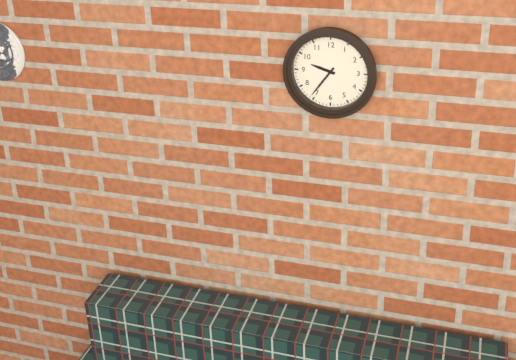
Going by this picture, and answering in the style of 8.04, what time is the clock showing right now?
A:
9.36
